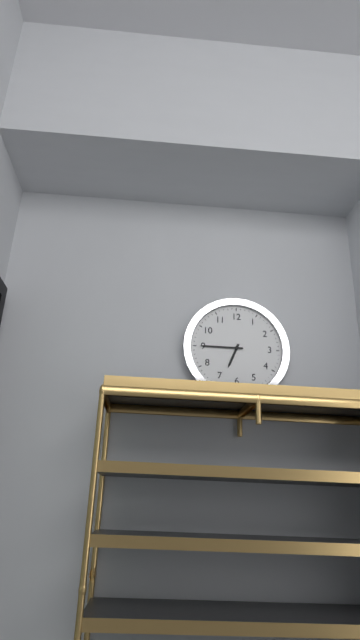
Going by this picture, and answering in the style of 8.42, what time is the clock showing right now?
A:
6.45
